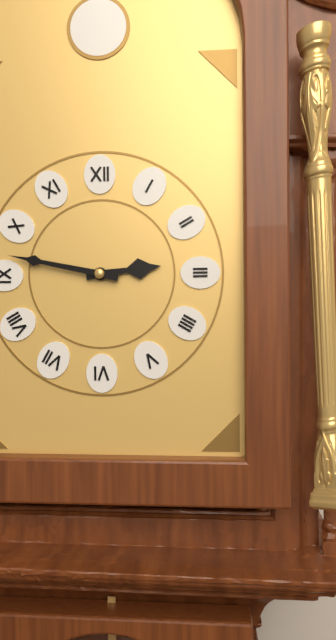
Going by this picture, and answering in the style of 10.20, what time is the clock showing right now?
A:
2.47
